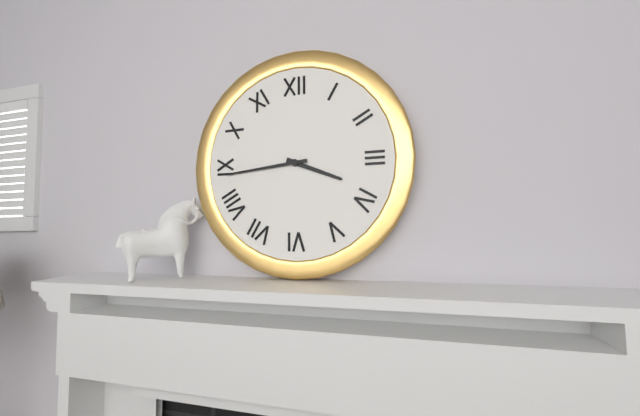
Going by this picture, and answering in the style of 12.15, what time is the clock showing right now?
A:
3.44
